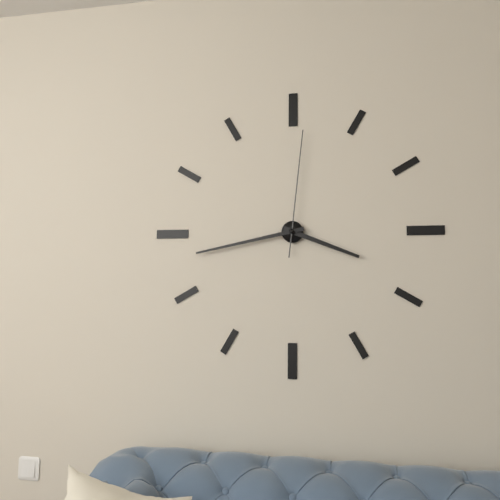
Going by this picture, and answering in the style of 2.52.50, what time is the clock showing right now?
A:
3.43.01
